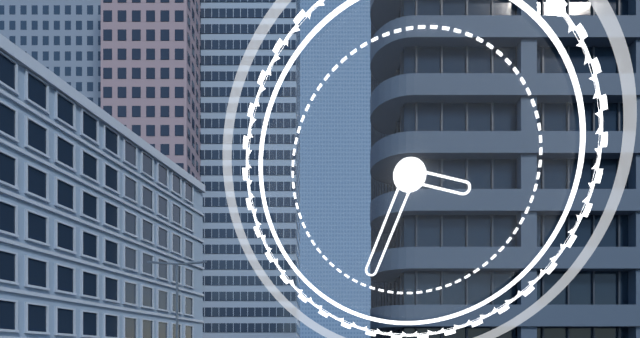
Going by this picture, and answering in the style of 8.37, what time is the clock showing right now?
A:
3.34
